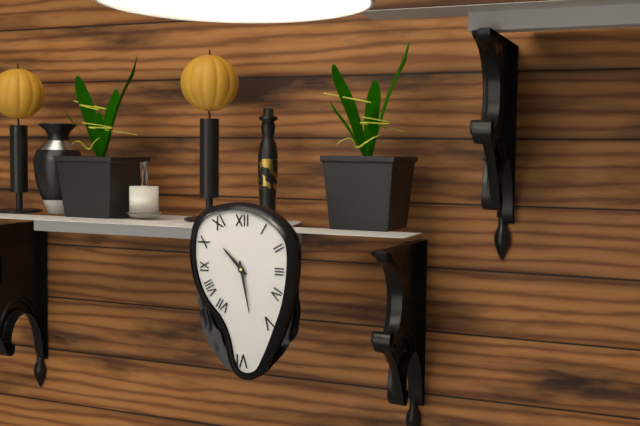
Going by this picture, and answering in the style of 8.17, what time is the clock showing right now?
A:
10.28
